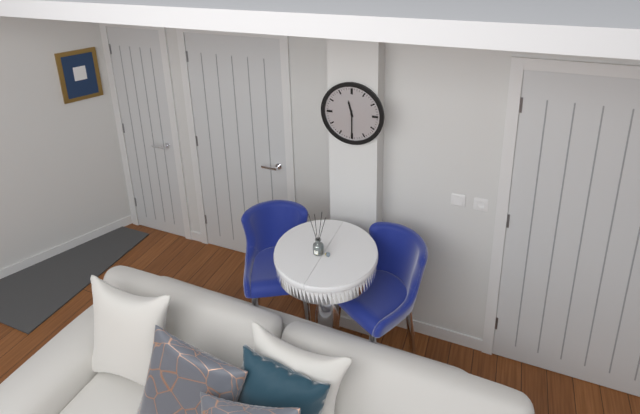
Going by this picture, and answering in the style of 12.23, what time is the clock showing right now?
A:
11.30
